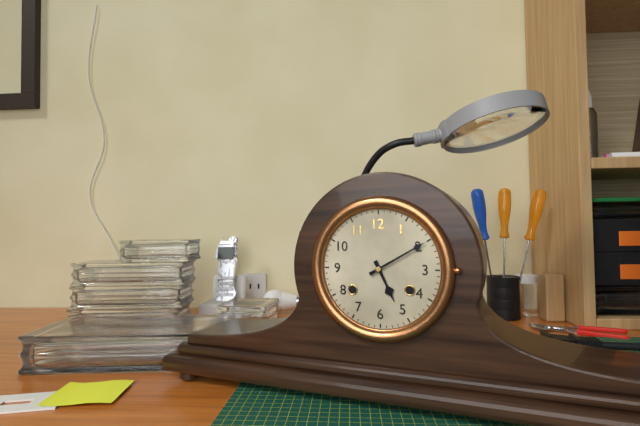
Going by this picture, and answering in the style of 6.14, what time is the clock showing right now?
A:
5.10
